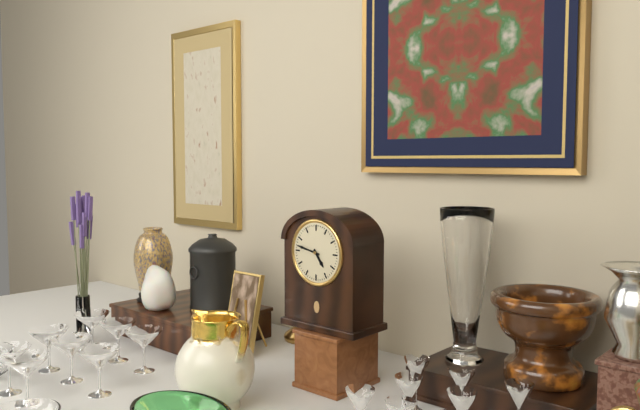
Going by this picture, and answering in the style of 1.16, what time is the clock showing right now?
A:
4.47
